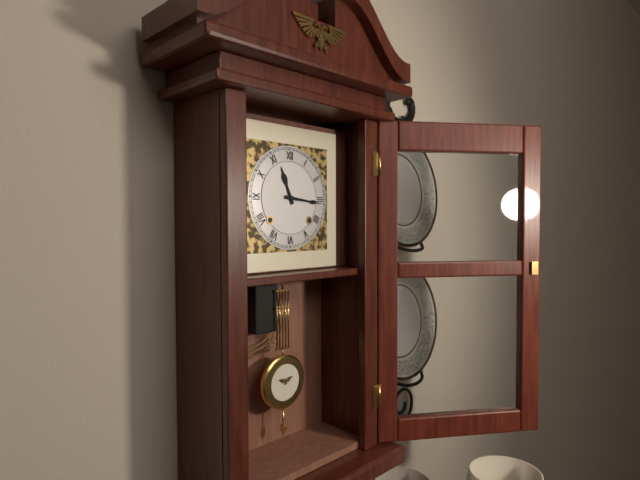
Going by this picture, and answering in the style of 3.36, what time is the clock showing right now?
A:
11.16
